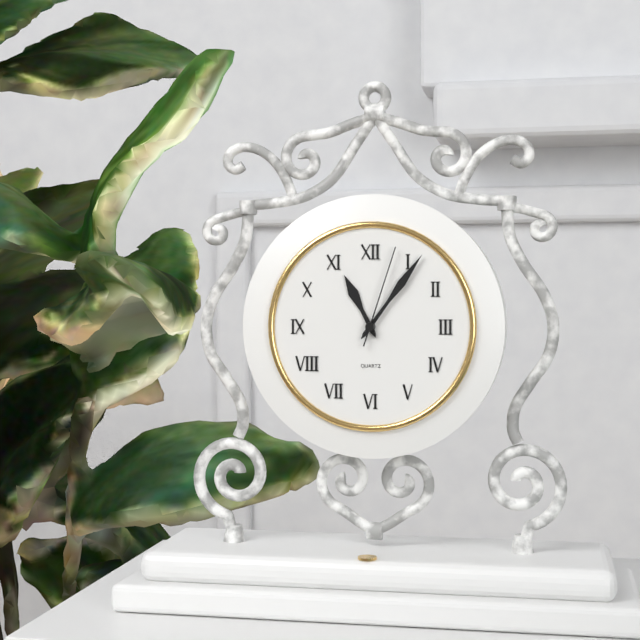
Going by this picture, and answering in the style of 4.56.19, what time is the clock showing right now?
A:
11.06.03
